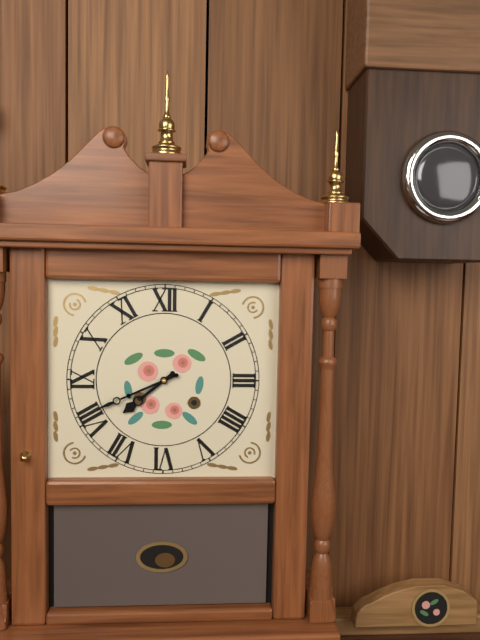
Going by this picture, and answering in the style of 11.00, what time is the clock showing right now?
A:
7.41
